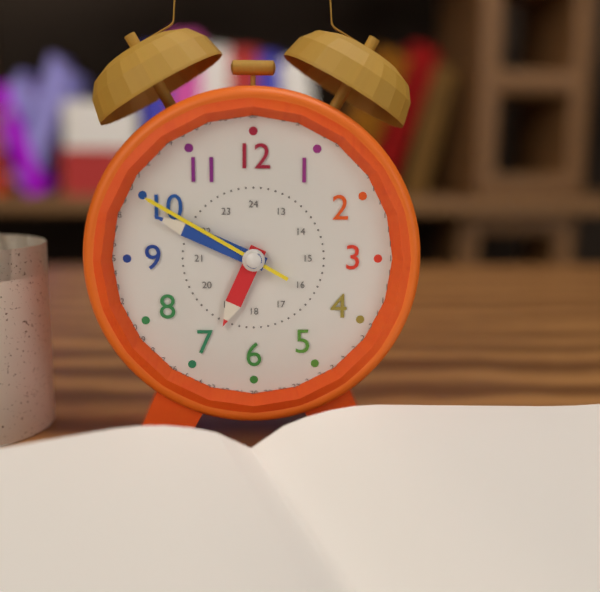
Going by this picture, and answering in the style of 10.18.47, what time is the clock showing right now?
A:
6.49.50
